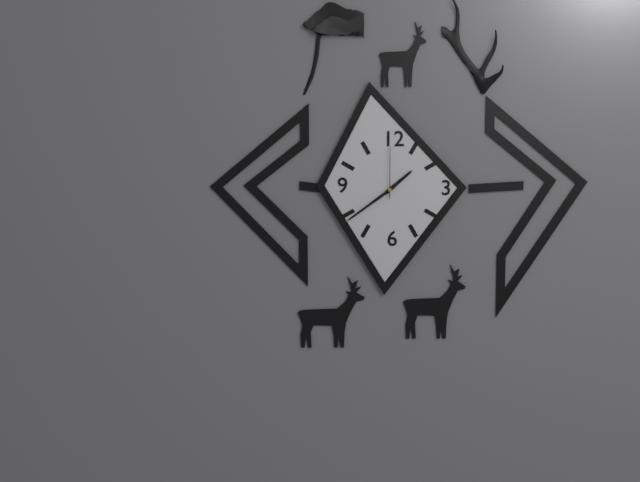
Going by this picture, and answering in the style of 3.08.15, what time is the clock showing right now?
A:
1.39.00
